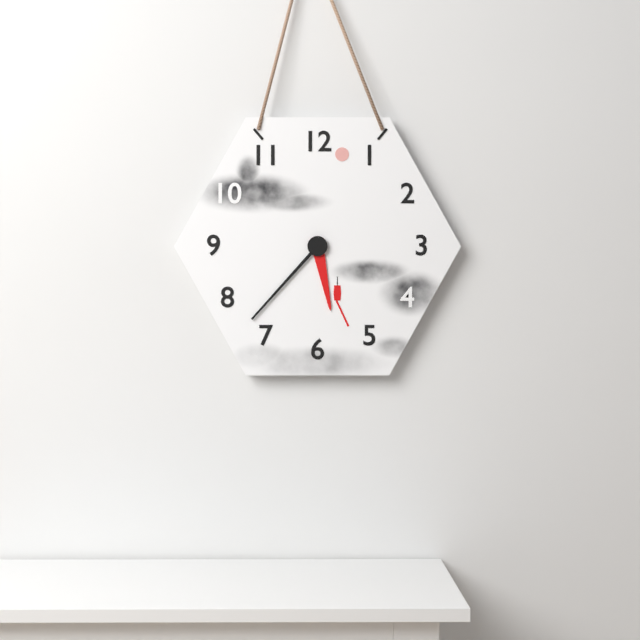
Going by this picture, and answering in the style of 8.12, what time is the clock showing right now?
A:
5.37
